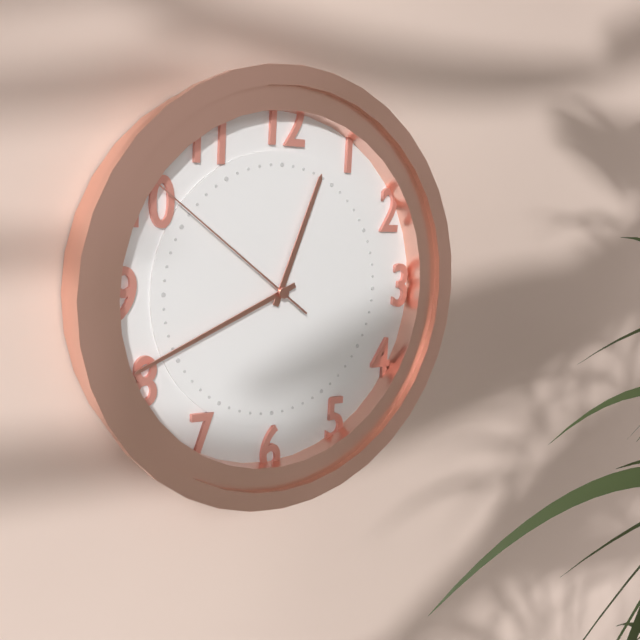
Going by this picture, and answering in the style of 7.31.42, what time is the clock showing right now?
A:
12.41.51
